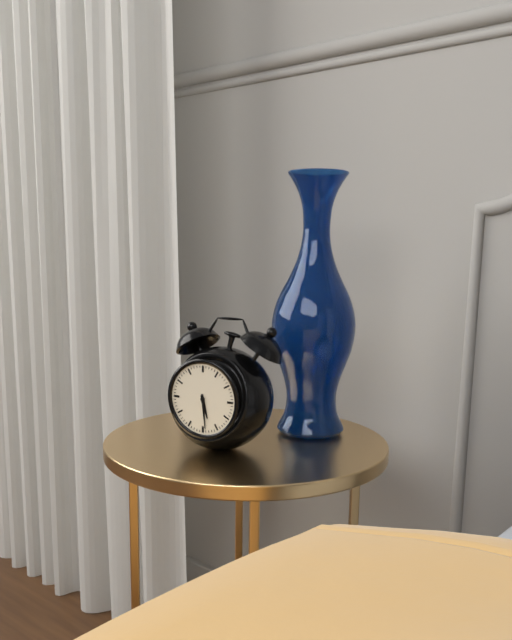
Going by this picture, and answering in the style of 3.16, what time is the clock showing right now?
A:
5.29
